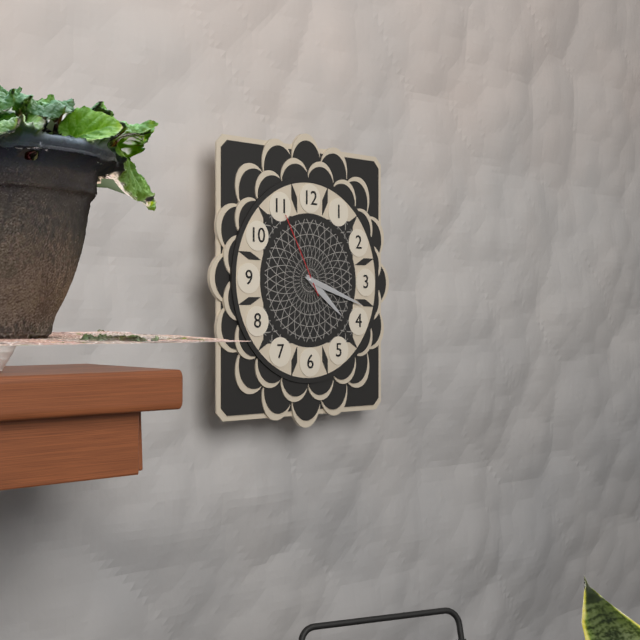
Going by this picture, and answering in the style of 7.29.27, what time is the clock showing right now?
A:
4.18.55
